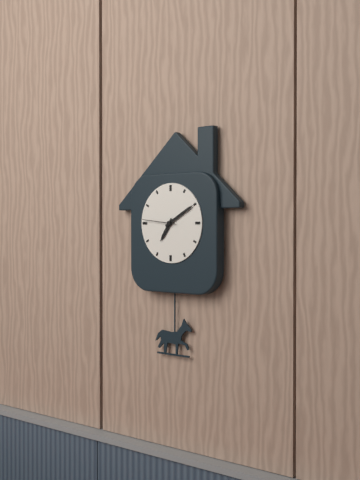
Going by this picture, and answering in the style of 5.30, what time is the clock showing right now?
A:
7.10
